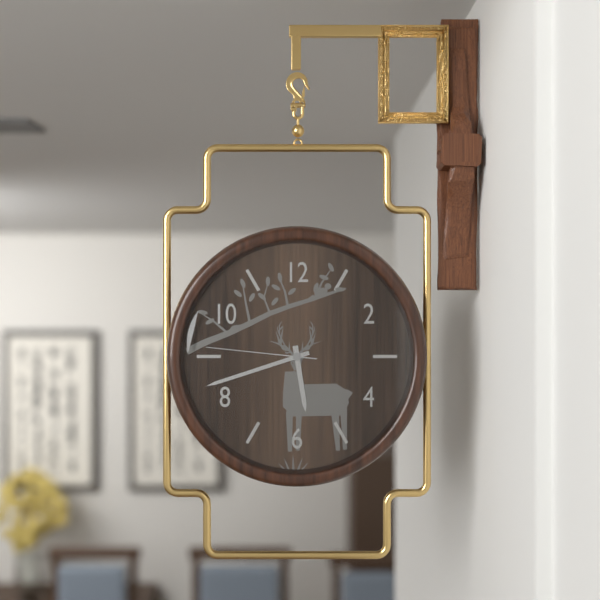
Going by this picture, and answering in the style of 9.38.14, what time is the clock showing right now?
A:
5.42.46
